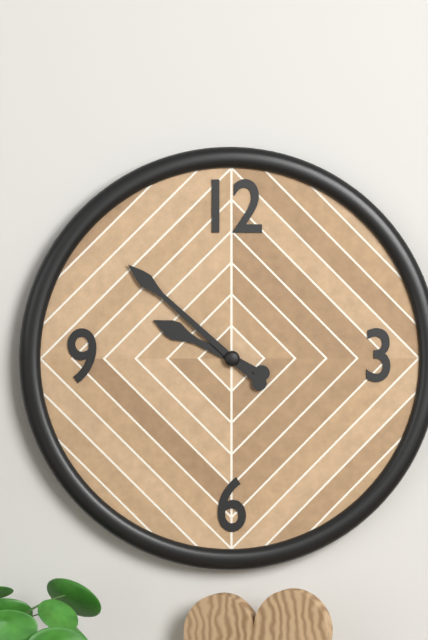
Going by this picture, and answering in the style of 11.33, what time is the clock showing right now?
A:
9.52
